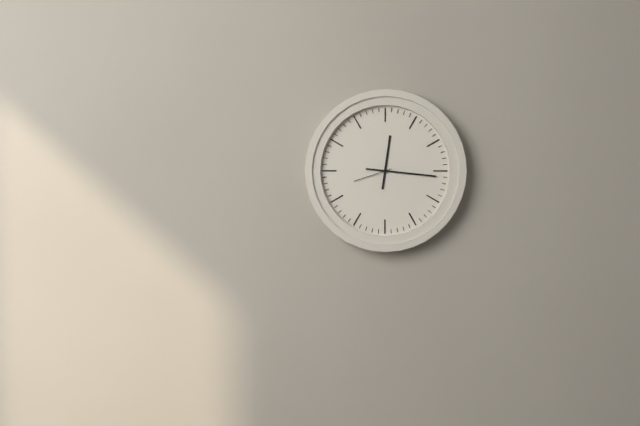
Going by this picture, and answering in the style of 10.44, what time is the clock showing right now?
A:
12.16
